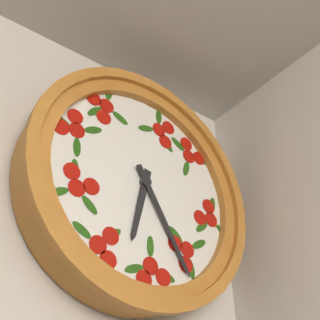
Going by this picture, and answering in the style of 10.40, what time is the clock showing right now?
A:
6.25
